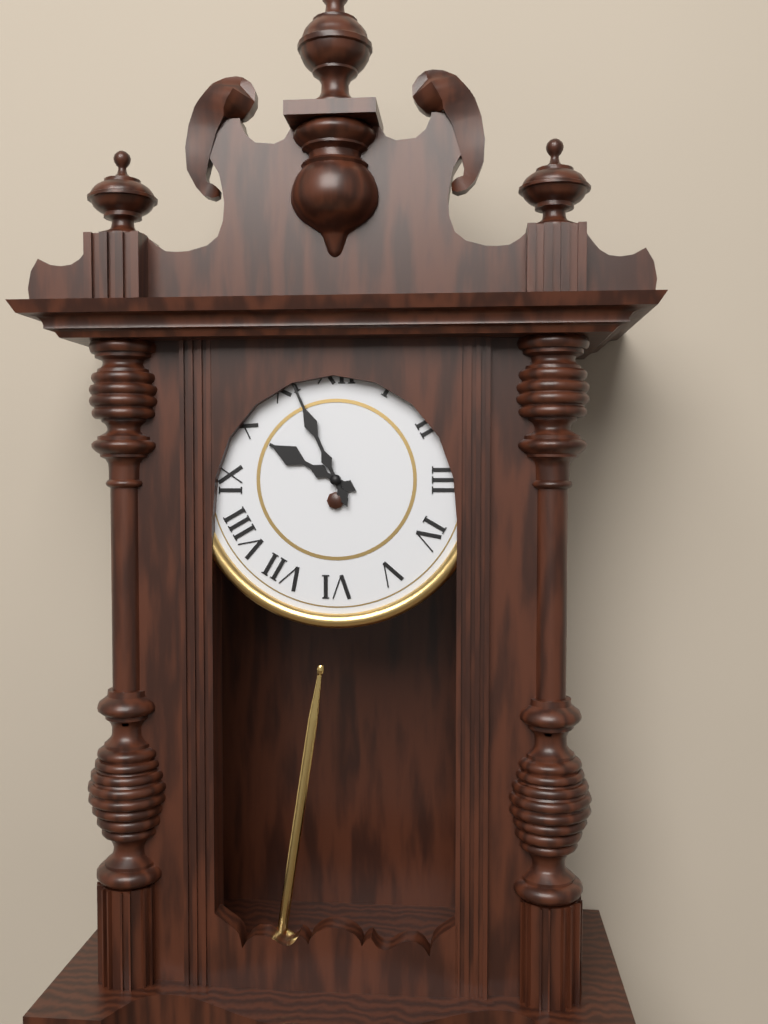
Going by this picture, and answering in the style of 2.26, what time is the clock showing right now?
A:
9.56
